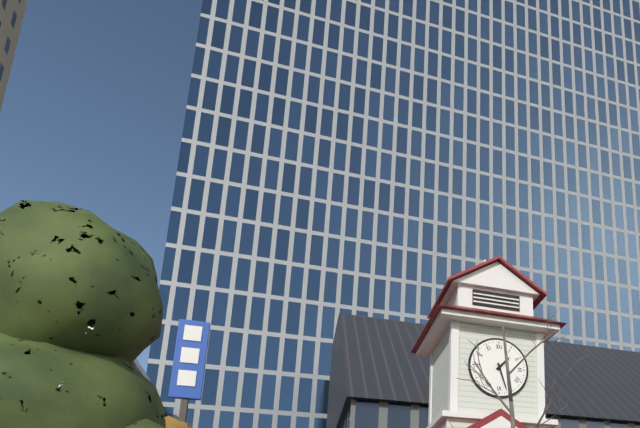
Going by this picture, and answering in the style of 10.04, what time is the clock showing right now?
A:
1.27
